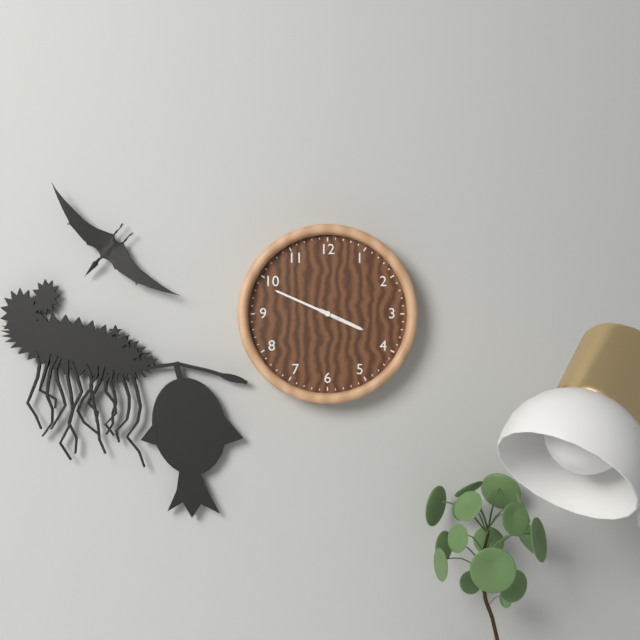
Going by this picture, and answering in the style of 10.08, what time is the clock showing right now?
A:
3.49
